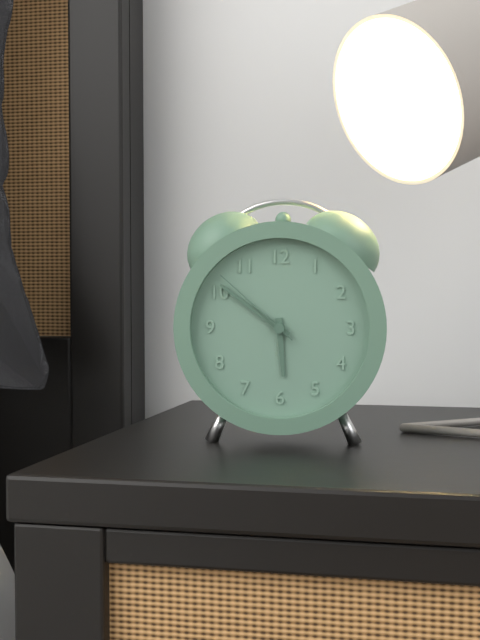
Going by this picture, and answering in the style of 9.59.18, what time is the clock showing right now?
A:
5.51.52
